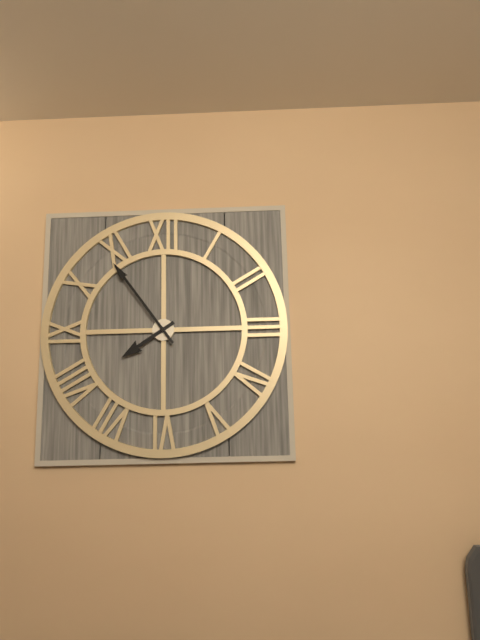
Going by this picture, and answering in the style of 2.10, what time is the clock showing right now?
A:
7.54
